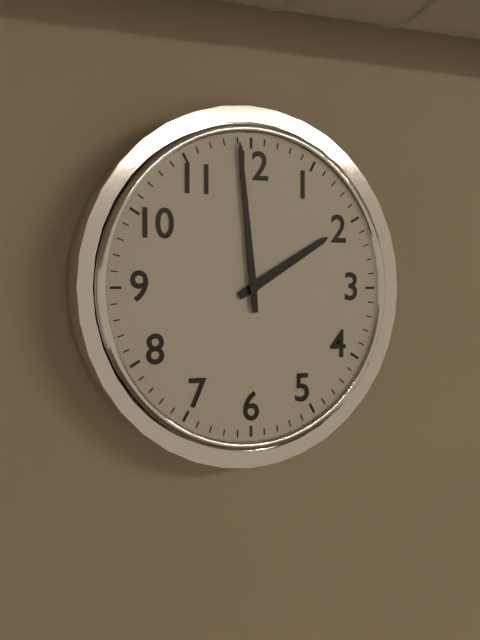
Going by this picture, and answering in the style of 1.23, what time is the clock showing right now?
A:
1.59
